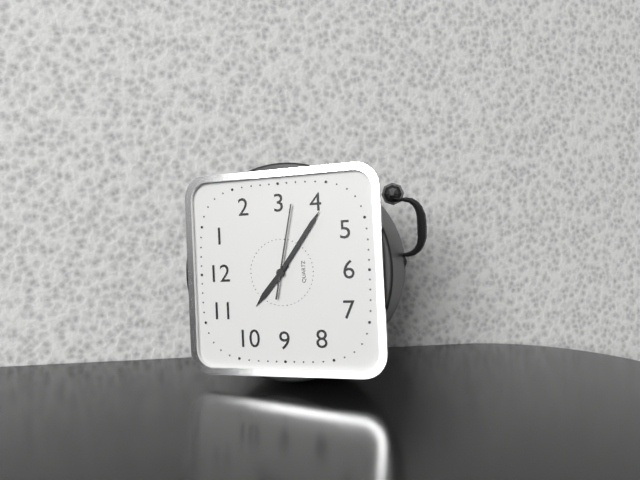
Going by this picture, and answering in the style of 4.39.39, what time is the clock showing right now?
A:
10.21.17
